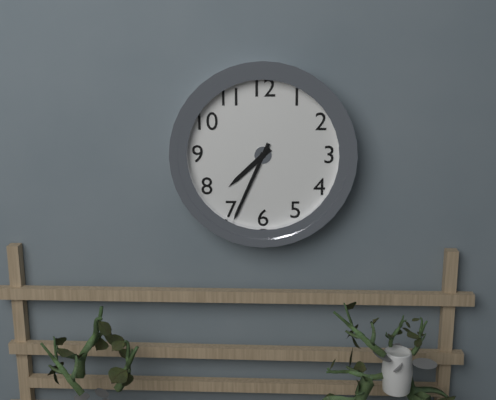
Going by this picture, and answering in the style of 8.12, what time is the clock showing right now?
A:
7.34
